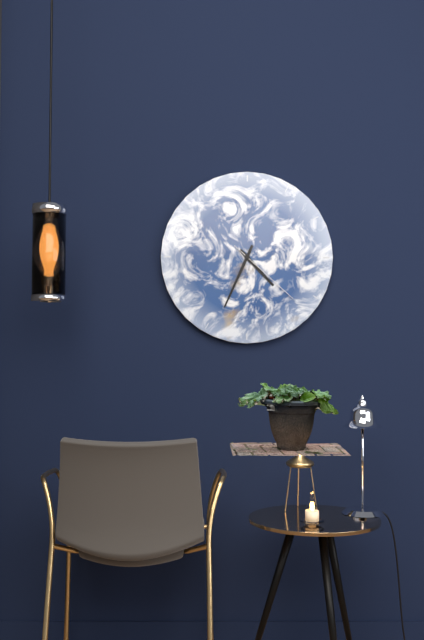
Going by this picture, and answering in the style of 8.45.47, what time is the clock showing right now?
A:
4.34.22
